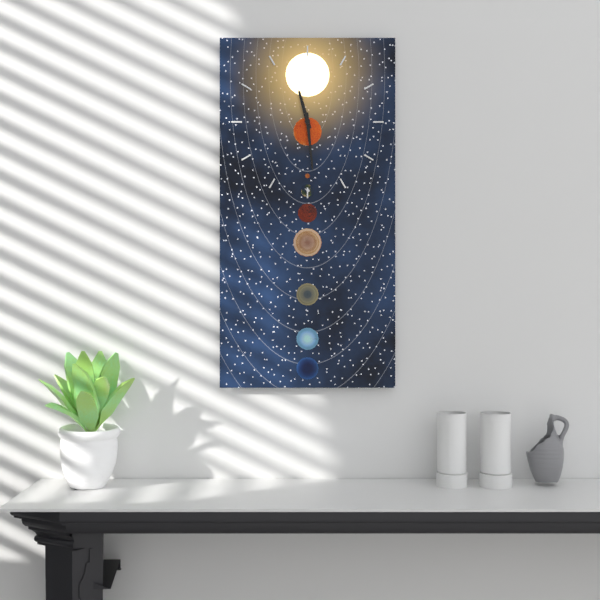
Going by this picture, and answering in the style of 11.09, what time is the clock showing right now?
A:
11.29
